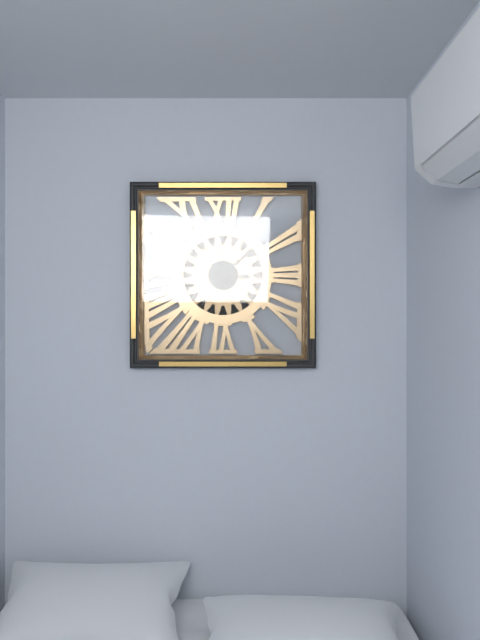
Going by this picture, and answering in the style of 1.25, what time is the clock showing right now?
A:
3.08
